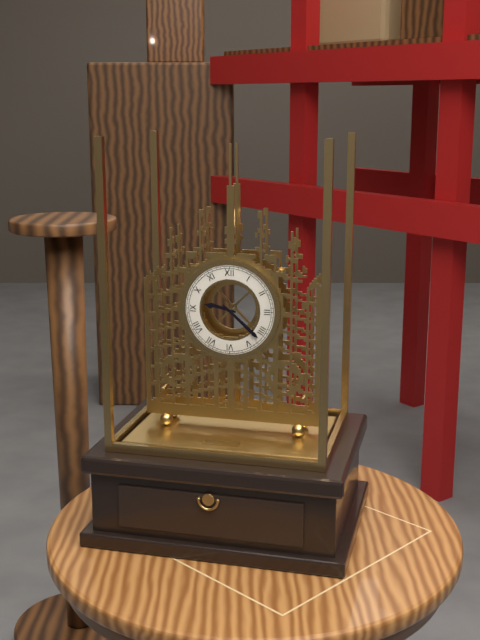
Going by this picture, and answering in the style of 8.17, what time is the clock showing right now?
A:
9.22
